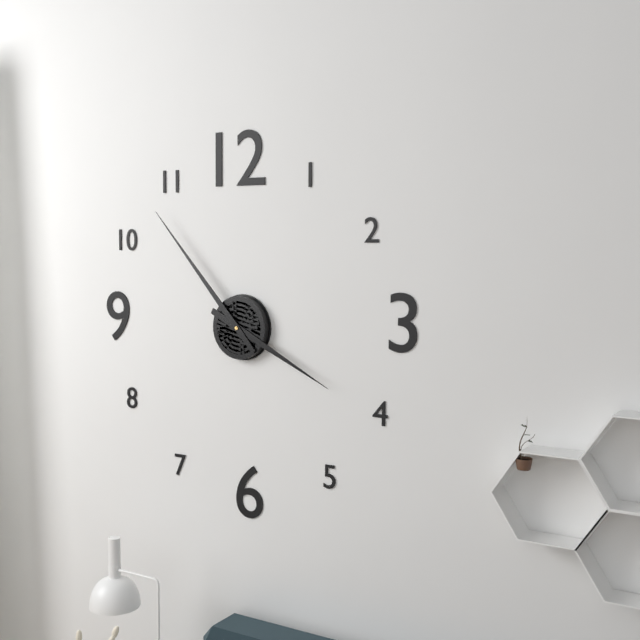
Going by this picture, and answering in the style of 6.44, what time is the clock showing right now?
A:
3.53
